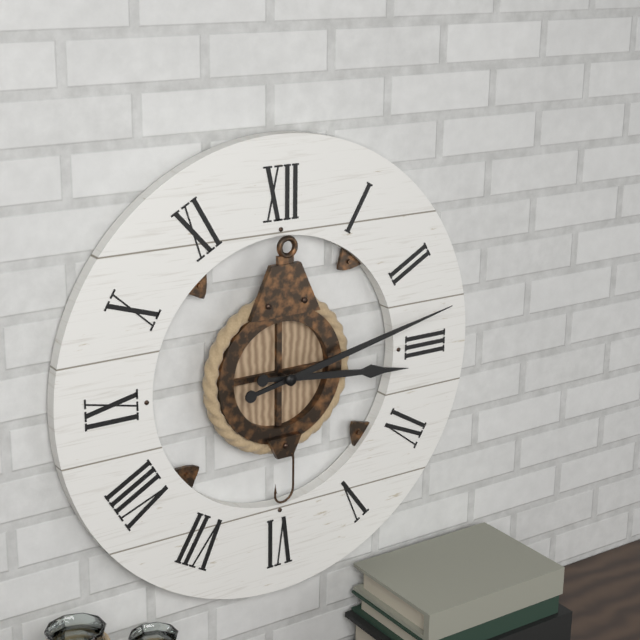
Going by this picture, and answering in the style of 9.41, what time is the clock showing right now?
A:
3.13
